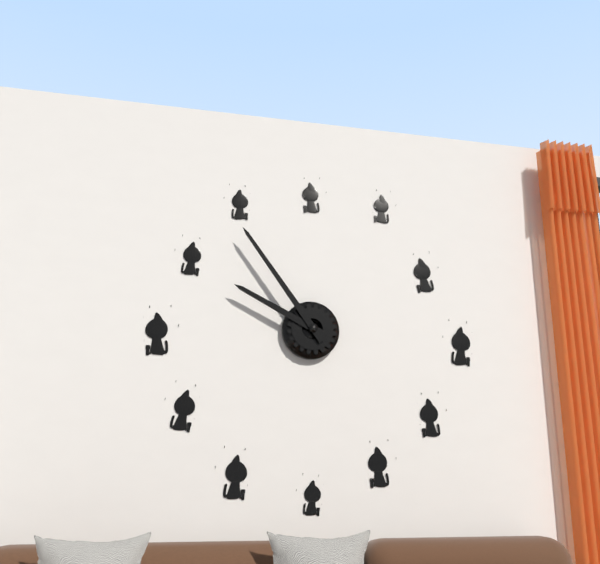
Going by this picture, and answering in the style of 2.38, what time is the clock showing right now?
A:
9.54
